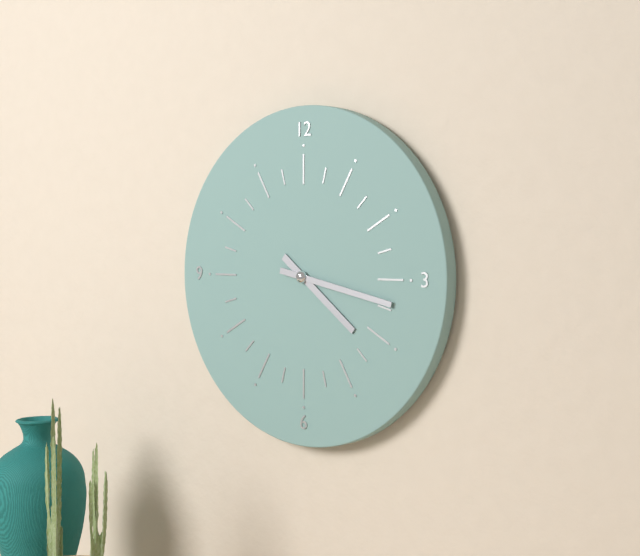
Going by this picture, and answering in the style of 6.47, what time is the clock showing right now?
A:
4.17
